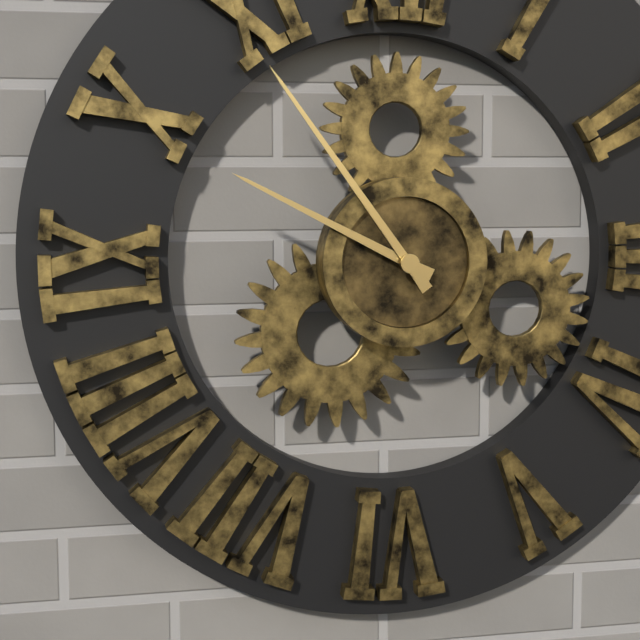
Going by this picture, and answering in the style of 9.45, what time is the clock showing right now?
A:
9.54
